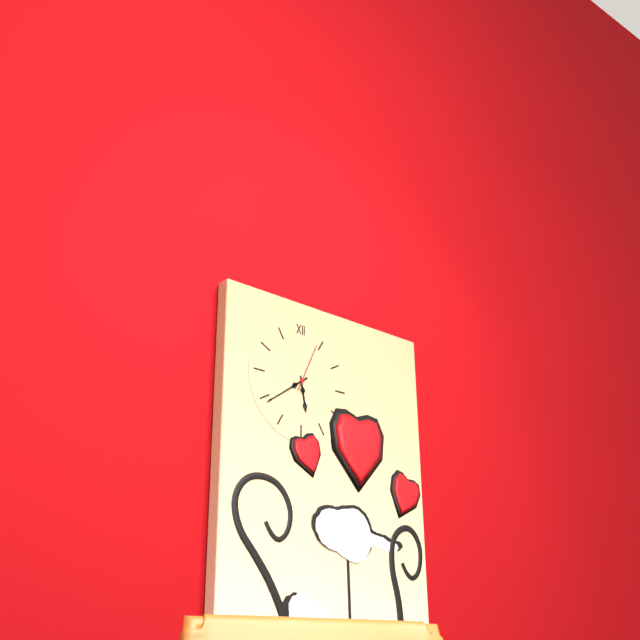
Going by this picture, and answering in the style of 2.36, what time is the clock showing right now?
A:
5.39
